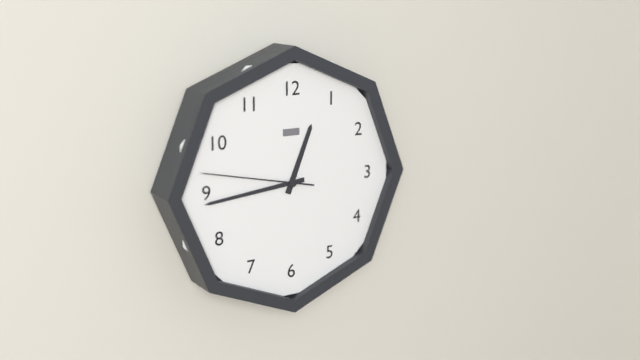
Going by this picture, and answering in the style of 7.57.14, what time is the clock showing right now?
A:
12.44.47
